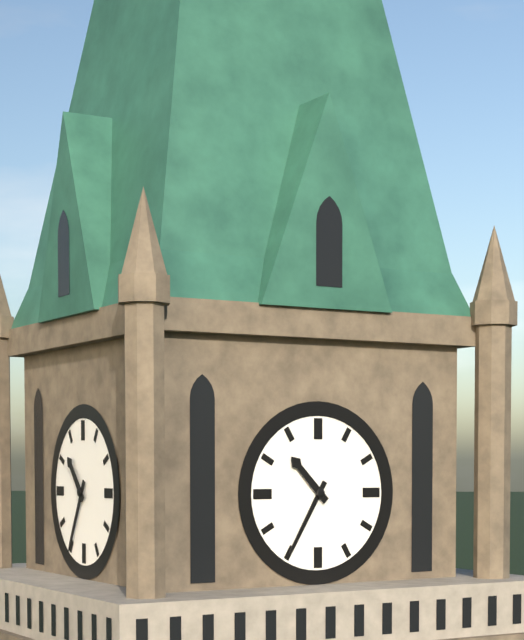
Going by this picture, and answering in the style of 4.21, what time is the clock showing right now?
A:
10.35
